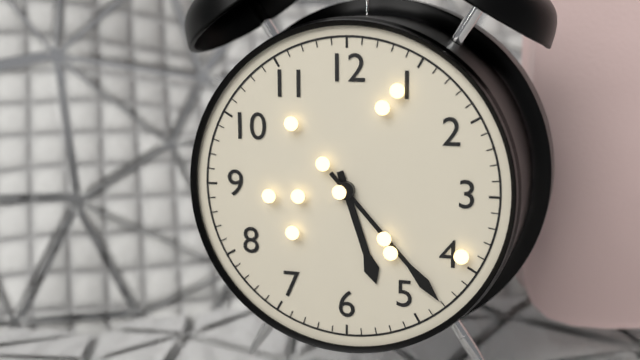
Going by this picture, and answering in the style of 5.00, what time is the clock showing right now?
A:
5.23
